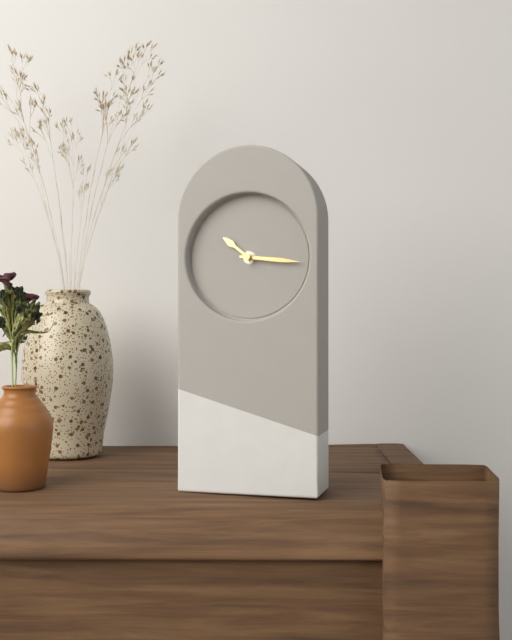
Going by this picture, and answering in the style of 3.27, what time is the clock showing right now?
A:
10.16
